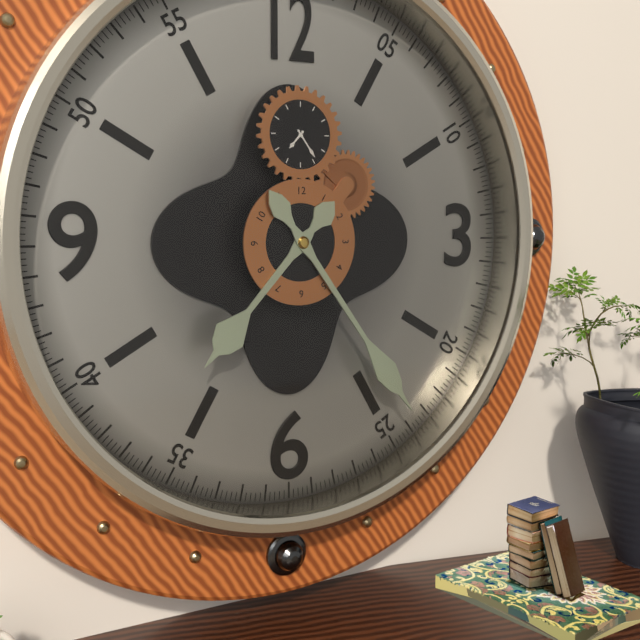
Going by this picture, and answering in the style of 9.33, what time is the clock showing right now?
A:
7.24
